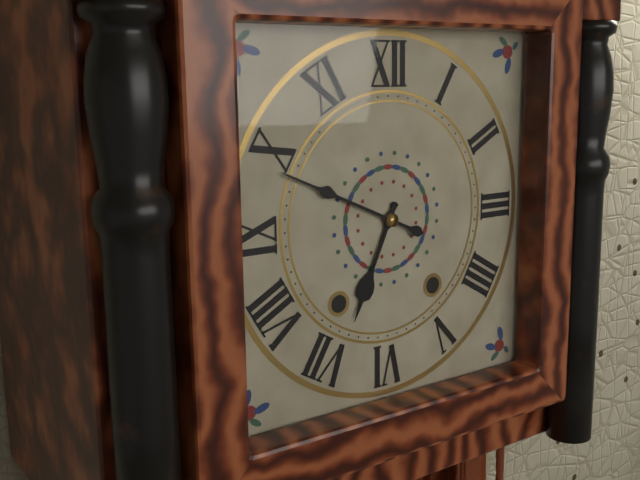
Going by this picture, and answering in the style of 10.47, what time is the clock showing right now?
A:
6.49
